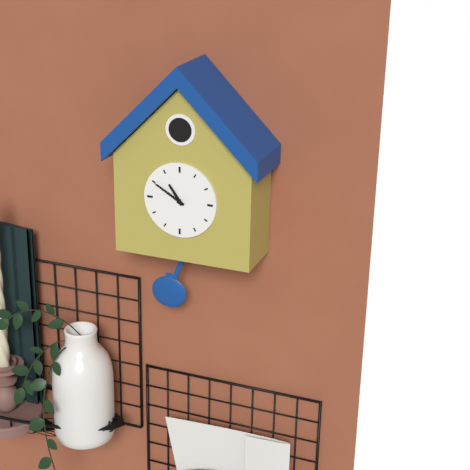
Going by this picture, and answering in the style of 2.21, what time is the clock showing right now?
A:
10.50
